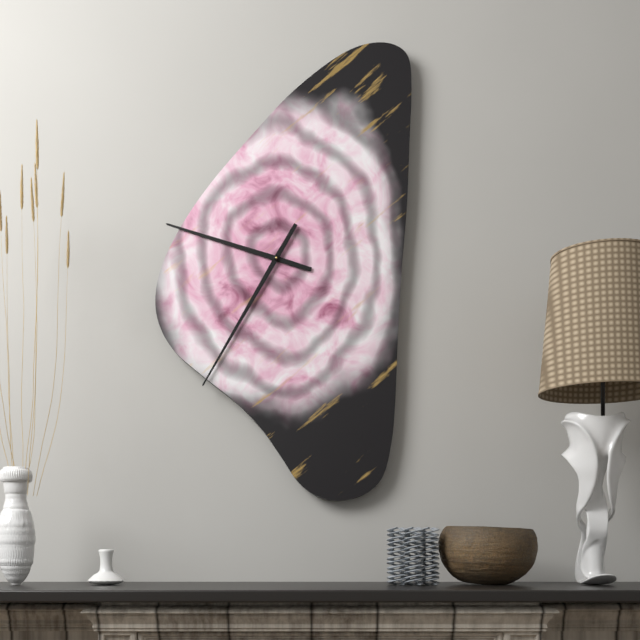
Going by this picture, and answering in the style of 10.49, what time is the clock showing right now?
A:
9.35
